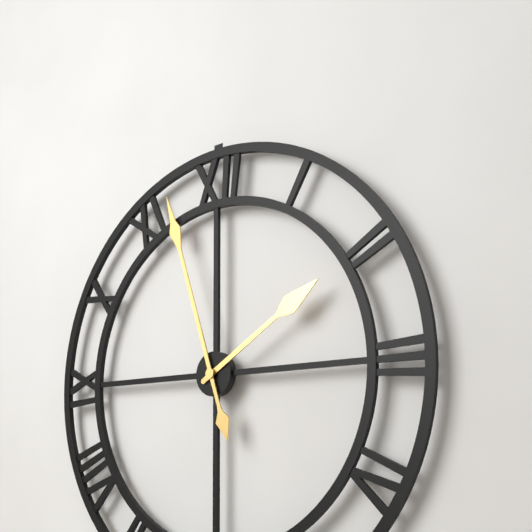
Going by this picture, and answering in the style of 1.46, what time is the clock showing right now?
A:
1.57
